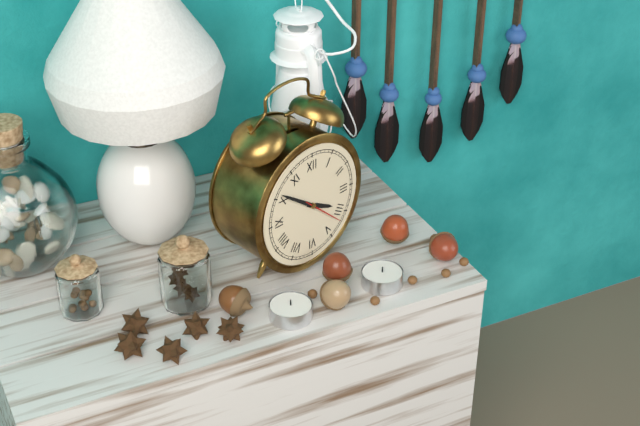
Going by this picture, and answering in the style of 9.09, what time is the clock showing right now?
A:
3.51
